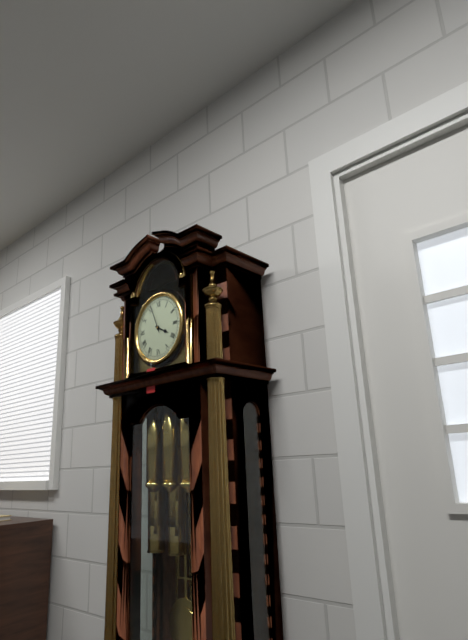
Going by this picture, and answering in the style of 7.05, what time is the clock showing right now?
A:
3.56
